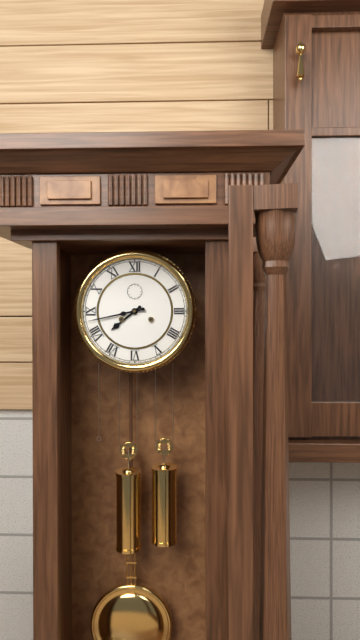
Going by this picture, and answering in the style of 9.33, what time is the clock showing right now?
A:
7.43
